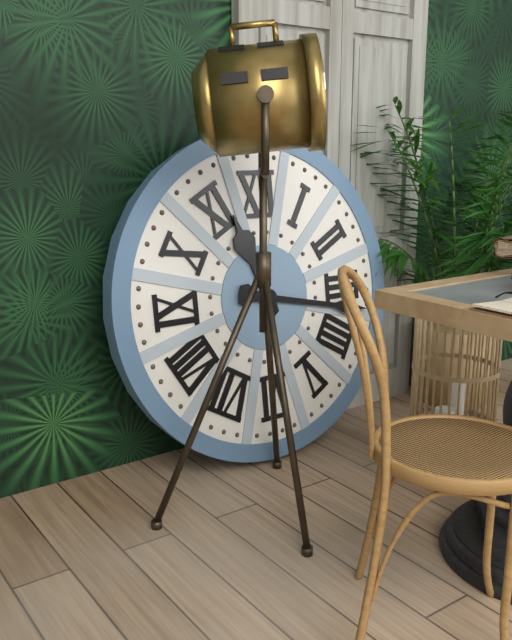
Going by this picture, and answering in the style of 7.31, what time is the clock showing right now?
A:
11.17
